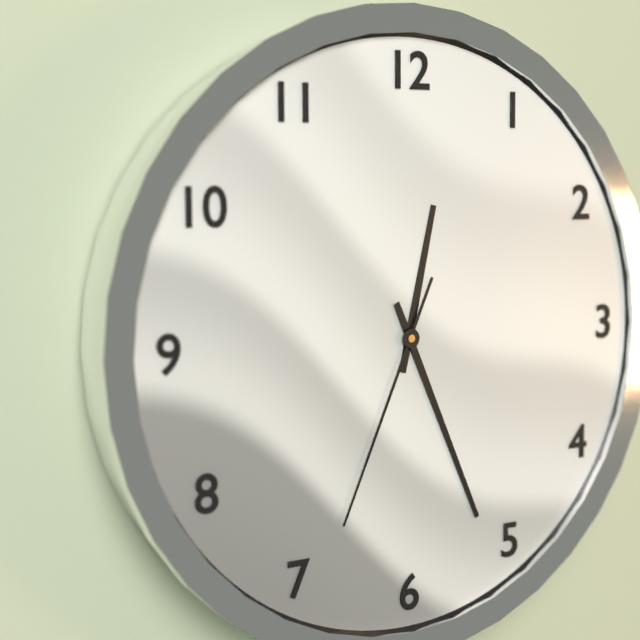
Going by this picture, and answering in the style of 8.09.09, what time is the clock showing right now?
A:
12.26.34
